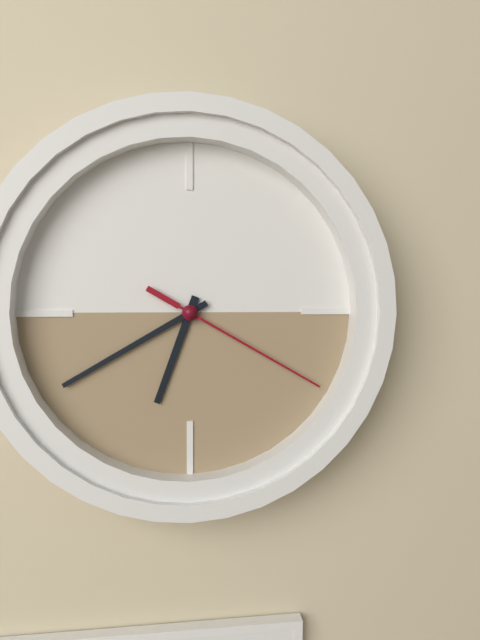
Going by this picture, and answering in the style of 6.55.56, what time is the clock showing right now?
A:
6.40.20
